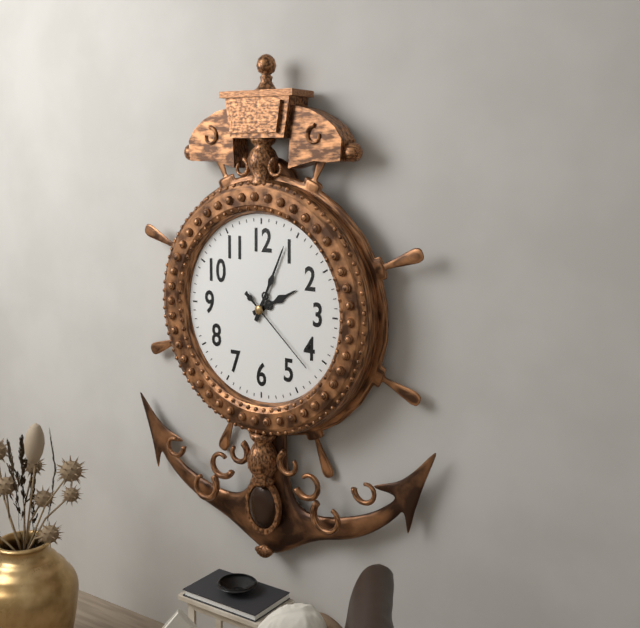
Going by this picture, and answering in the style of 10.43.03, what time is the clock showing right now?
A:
2.04.22
